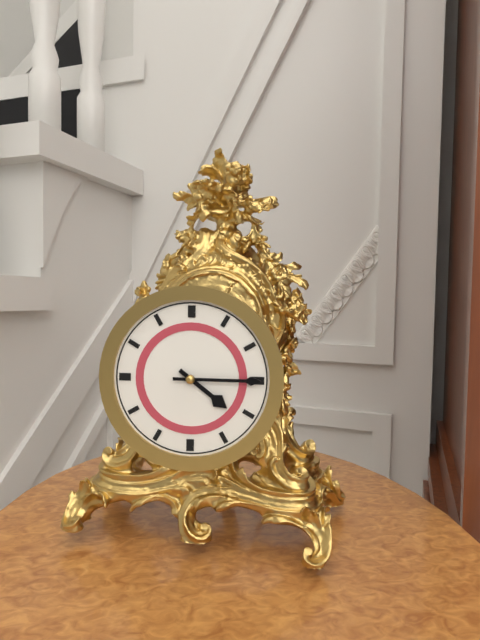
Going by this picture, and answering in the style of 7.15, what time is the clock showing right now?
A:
4.15
